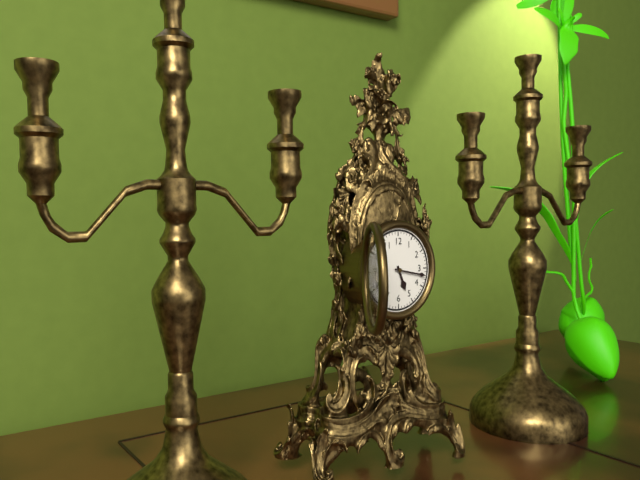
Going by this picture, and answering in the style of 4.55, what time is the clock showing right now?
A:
5.17
